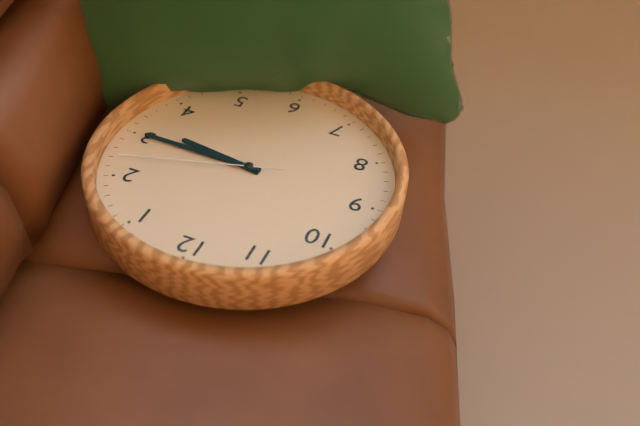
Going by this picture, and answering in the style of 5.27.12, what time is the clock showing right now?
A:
3.15.12
